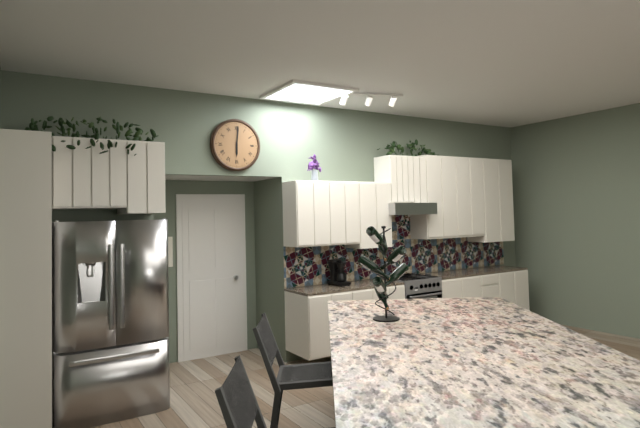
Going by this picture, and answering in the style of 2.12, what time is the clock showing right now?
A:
6.01
